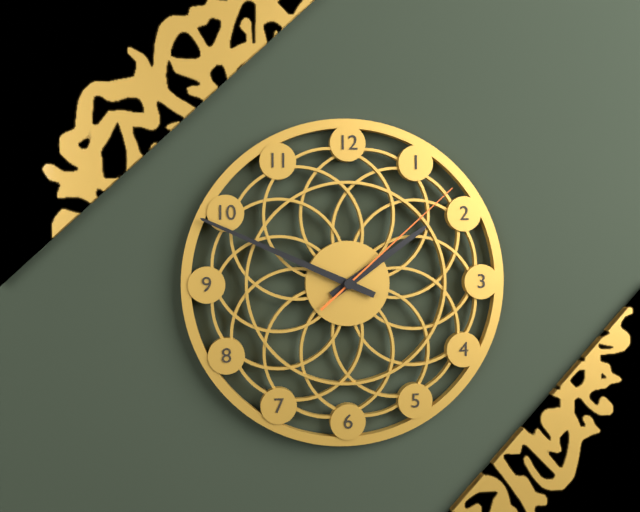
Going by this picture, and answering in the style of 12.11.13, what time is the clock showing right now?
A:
1.49.08
